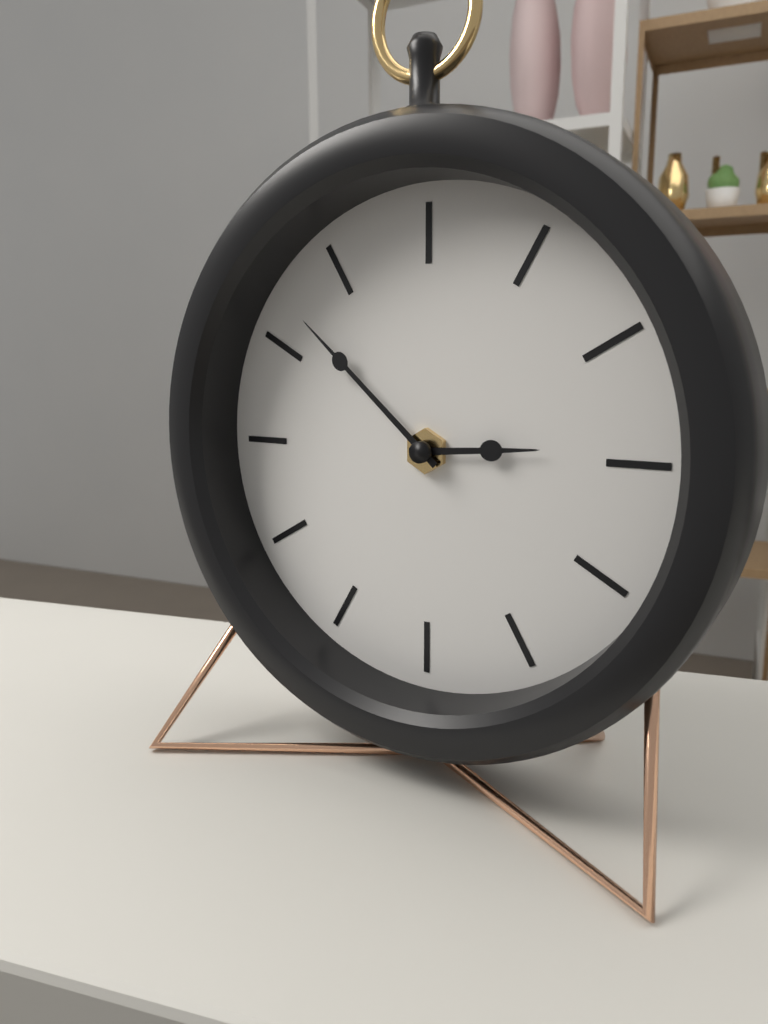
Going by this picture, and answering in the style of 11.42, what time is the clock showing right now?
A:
2.52
